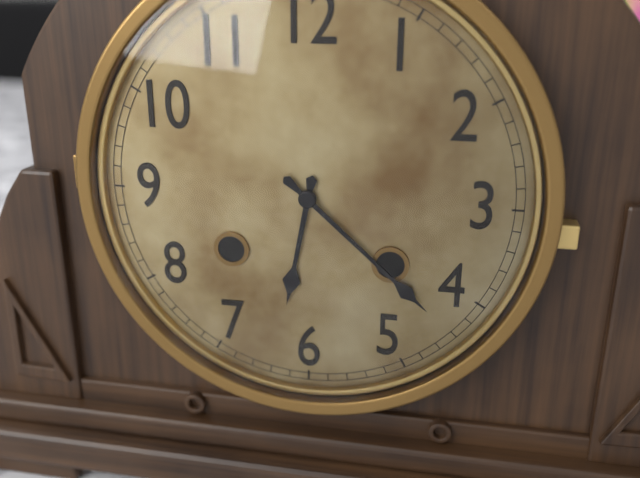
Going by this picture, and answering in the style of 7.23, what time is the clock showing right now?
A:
6.22
